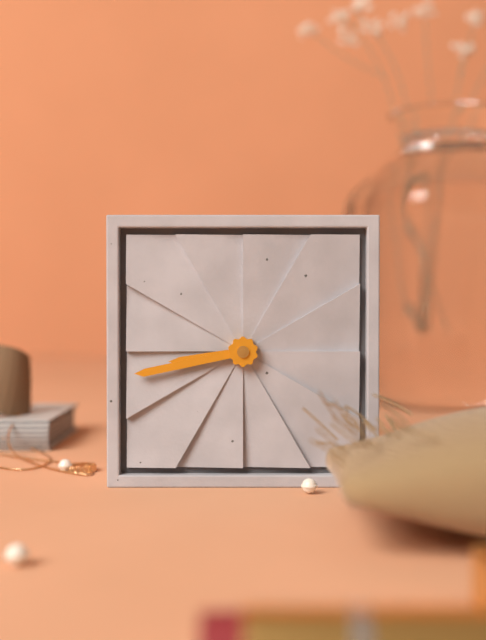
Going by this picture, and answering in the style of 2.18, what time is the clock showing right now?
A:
8.43
